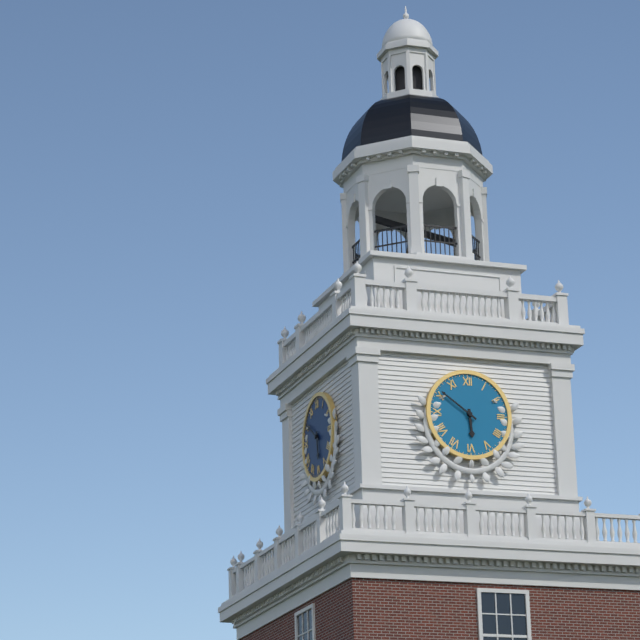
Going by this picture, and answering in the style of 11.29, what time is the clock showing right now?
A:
5.51
